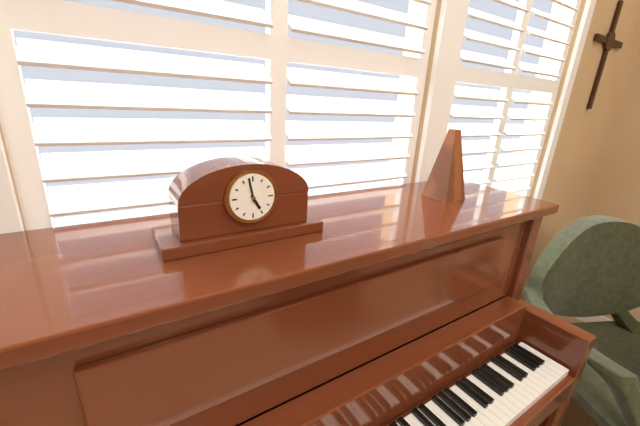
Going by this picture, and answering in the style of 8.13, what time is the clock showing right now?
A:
4.58
